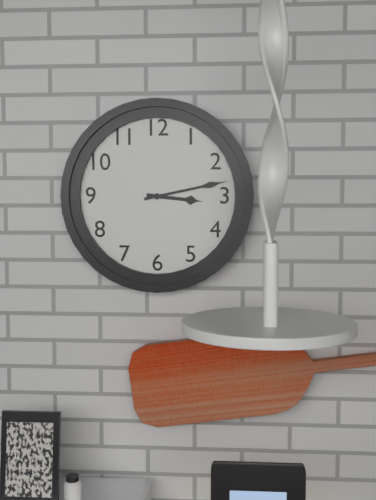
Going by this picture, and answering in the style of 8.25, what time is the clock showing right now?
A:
3.13
